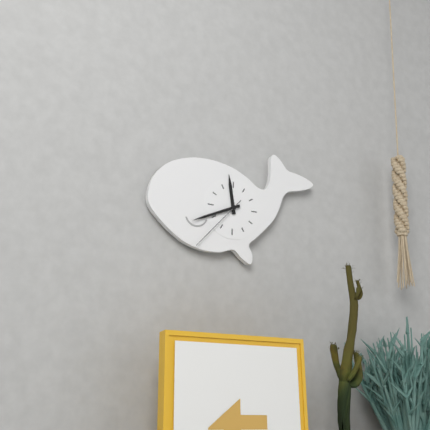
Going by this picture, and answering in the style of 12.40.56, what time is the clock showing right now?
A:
11.41.37
